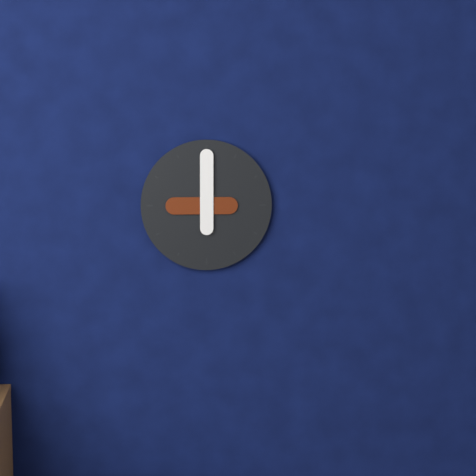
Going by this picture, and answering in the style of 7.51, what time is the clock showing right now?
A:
9.00
